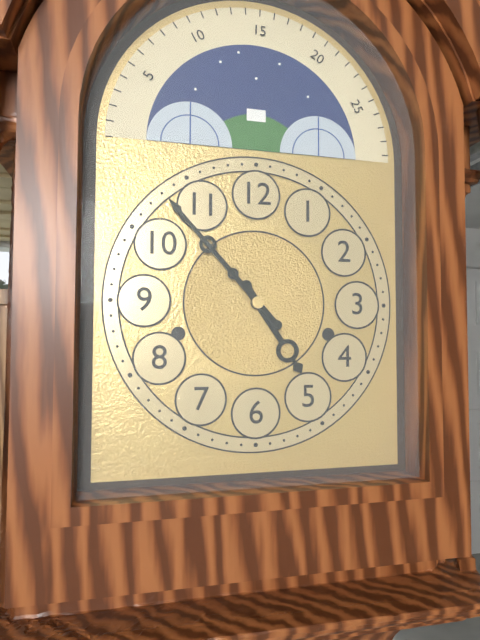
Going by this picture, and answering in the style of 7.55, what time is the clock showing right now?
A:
4.53
